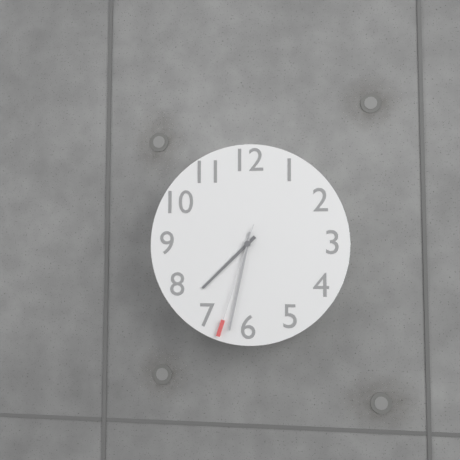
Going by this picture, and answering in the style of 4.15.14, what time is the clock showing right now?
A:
7.32.33
